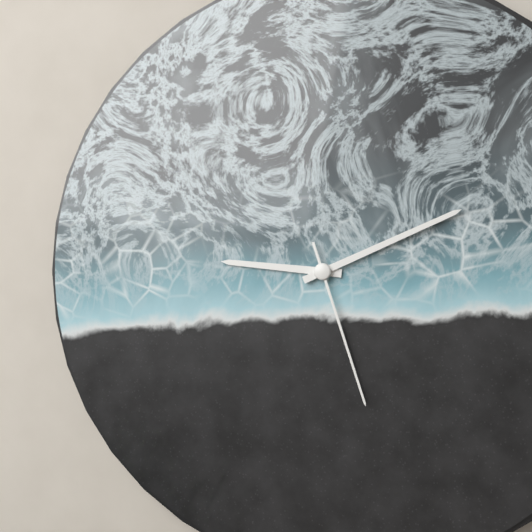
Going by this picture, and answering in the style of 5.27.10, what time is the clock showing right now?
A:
9.11.27
